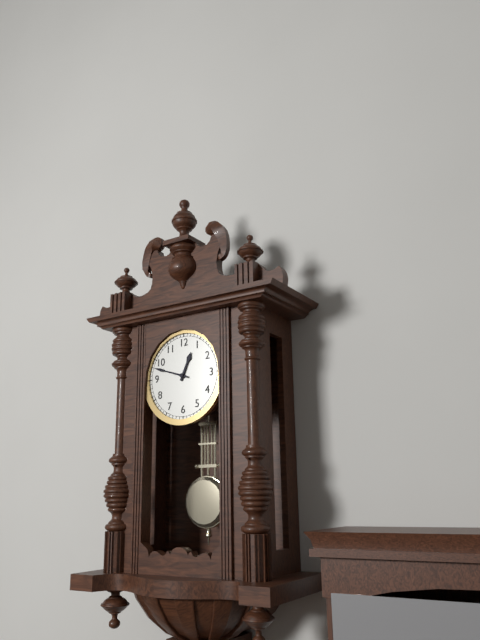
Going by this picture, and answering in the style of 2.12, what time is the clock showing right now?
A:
12.48
